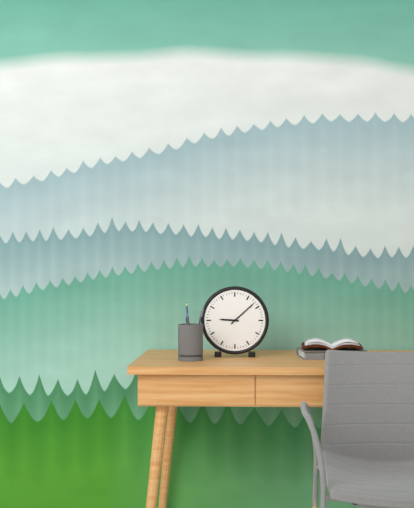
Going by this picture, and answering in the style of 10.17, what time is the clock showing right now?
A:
9.08
